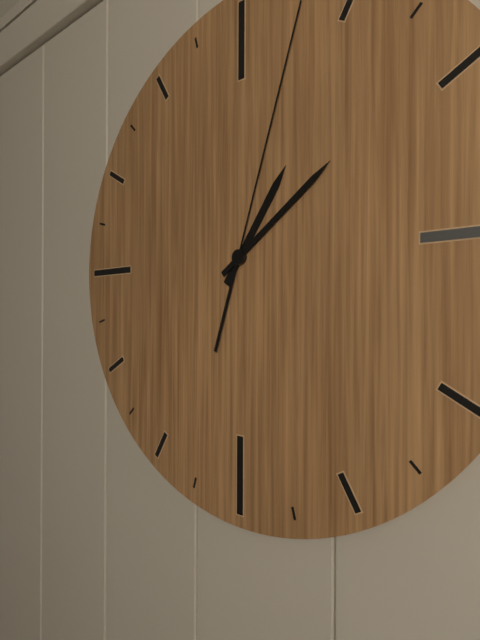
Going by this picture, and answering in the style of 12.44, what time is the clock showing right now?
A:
1.09
